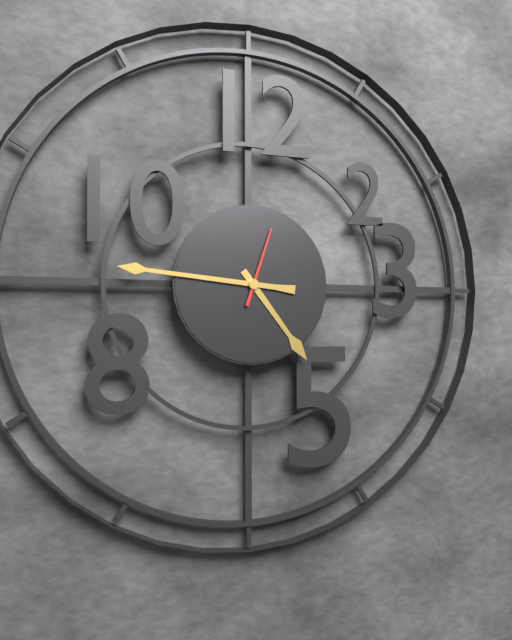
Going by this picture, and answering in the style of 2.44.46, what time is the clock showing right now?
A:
4.46.03
